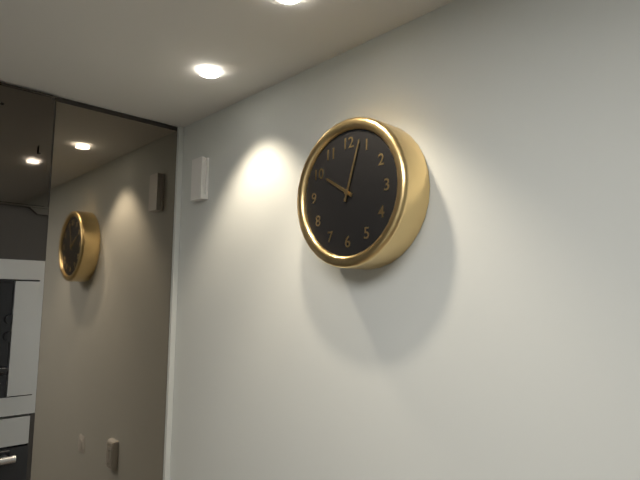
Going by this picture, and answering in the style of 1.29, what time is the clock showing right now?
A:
10.03
